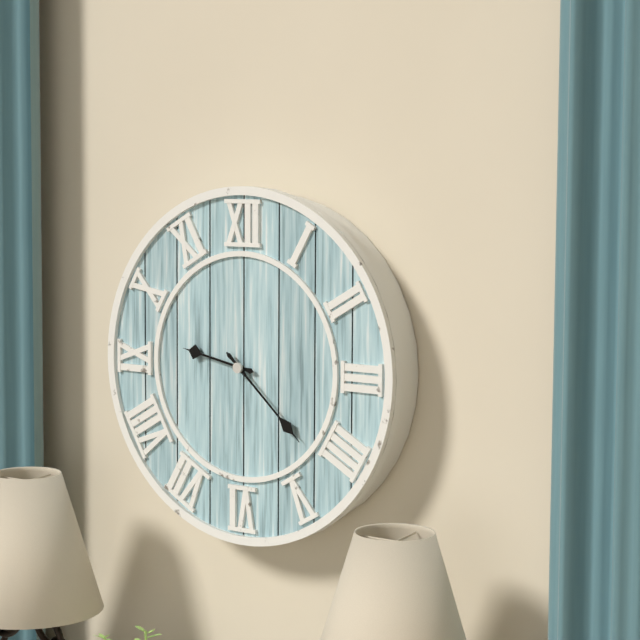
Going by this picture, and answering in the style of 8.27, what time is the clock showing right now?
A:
9.22
